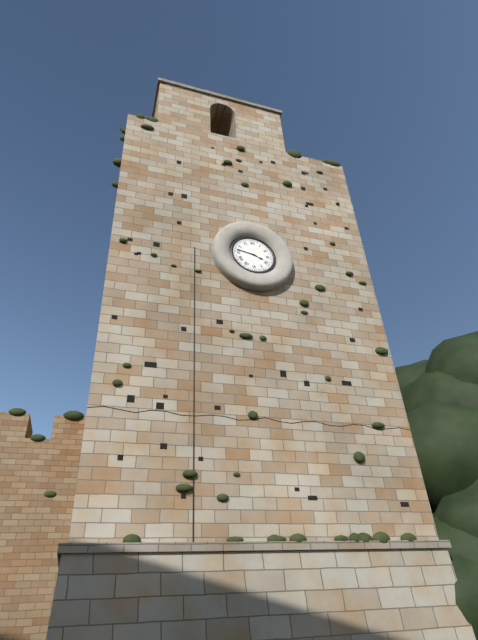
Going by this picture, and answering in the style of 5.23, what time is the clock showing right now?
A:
3.47
